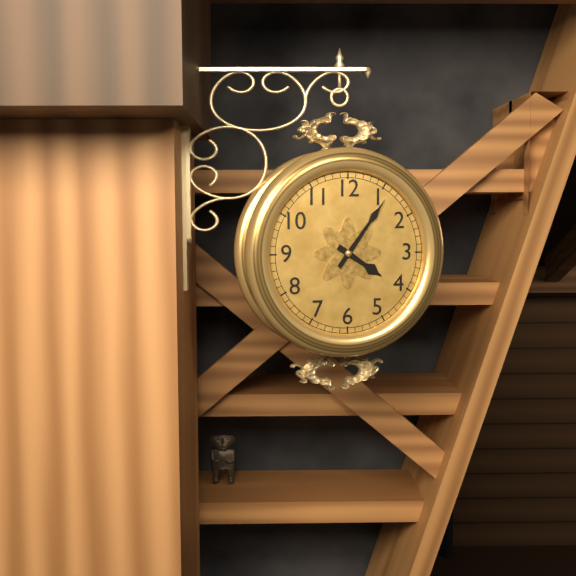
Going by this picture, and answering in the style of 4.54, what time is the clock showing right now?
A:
4.06
